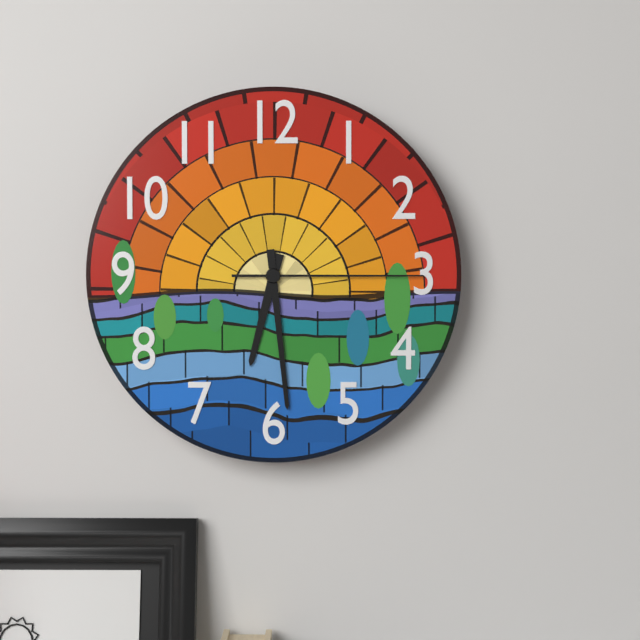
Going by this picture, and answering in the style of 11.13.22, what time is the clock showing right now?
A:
6.29.15
